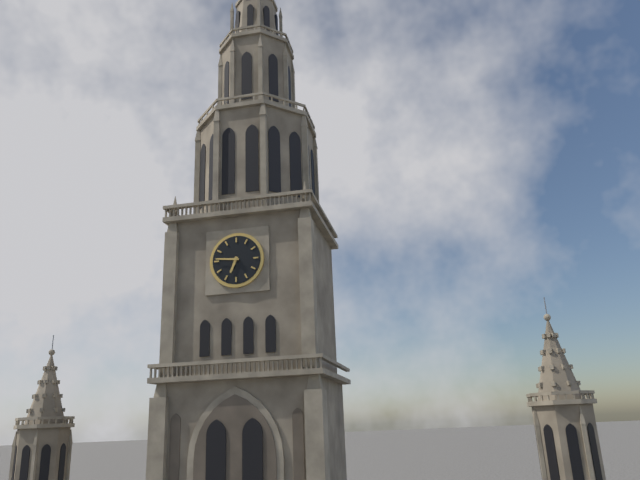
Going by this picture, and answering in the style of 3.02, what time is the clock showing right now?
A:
6.46
